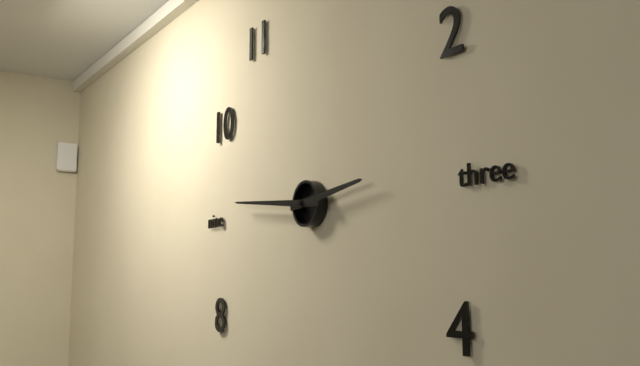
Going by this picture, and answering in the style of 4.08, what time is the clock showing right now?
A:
2.46
